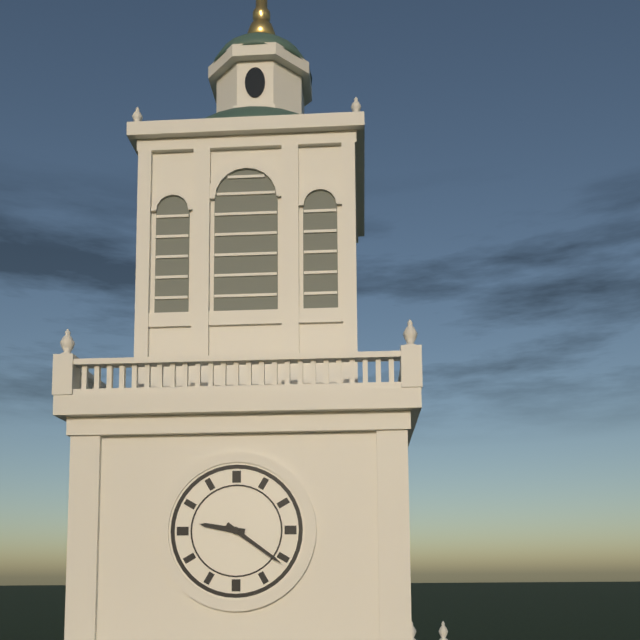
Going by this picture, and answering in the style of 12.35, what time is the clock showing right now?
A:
9.21
